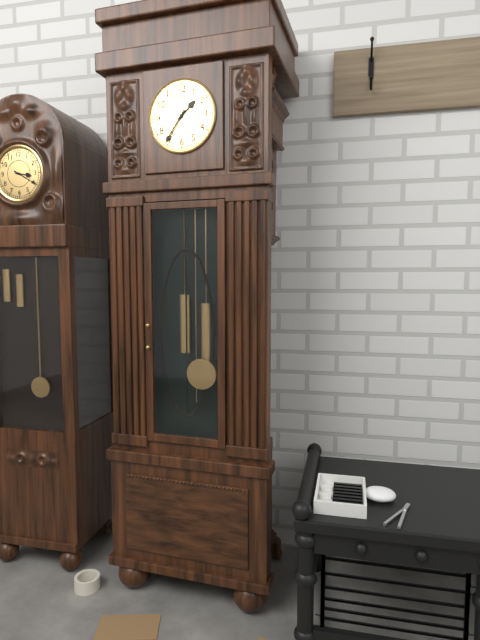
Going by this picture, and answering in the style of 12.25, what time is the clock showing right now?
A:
1.36
